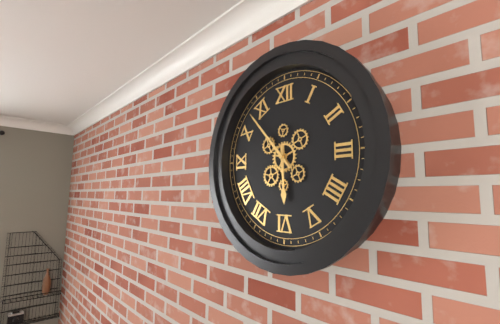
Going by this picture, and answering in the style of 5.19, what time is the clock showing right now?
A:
5.53
